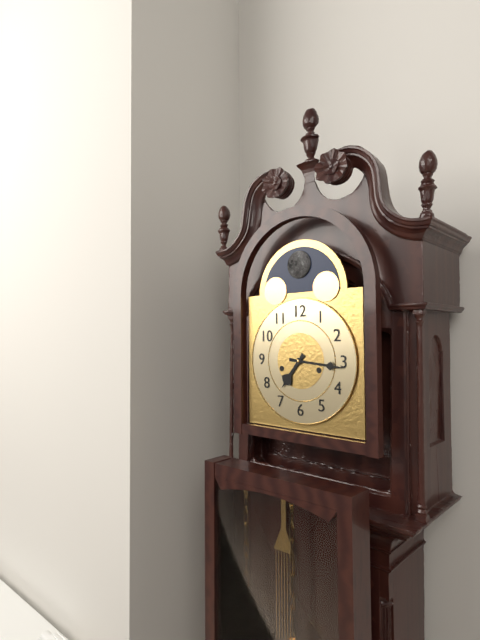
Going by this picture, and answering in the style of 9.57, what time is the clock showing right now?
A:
7.16
